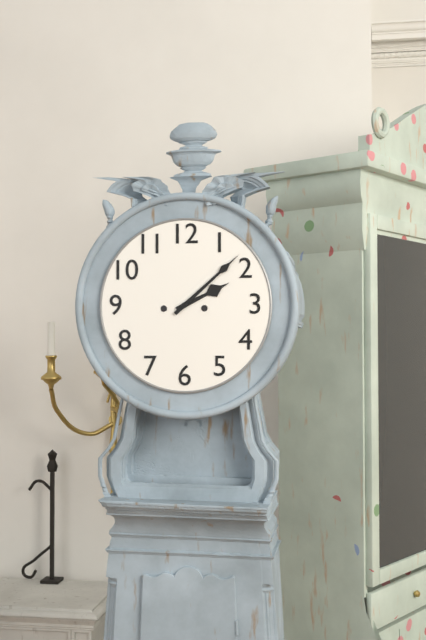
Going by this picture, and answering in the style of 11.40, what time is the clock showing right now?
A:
2.08
